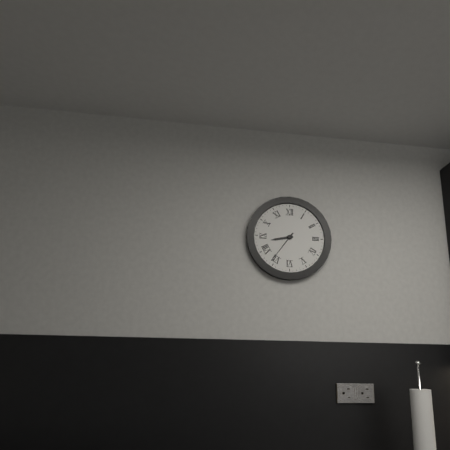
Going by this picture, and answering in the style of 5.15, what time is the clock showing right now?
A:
8.36
